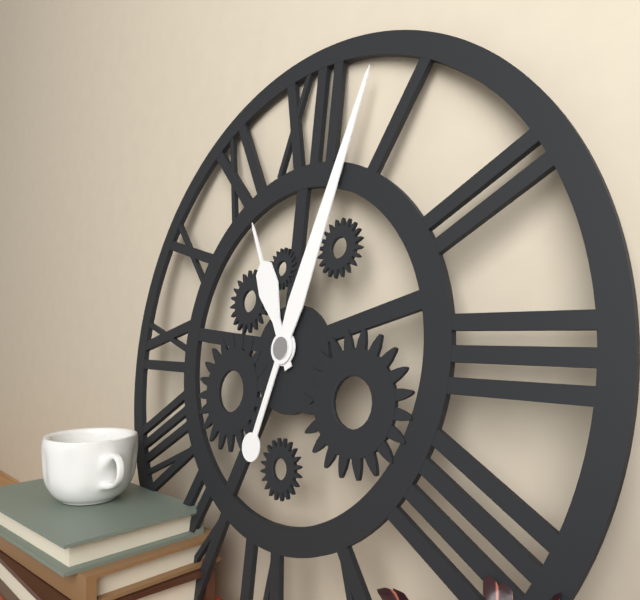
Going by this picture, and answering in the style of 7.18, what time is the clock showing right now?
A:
11.03
